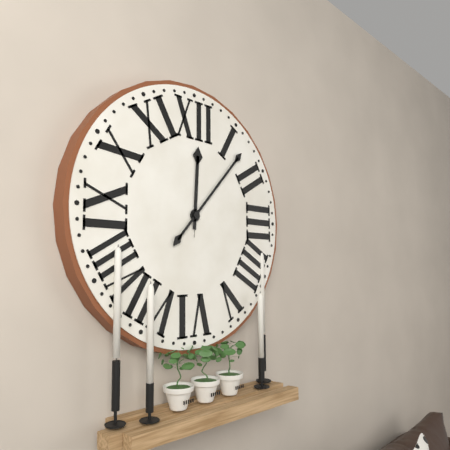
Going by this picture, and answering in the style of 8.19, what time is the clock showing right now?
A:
12.07
